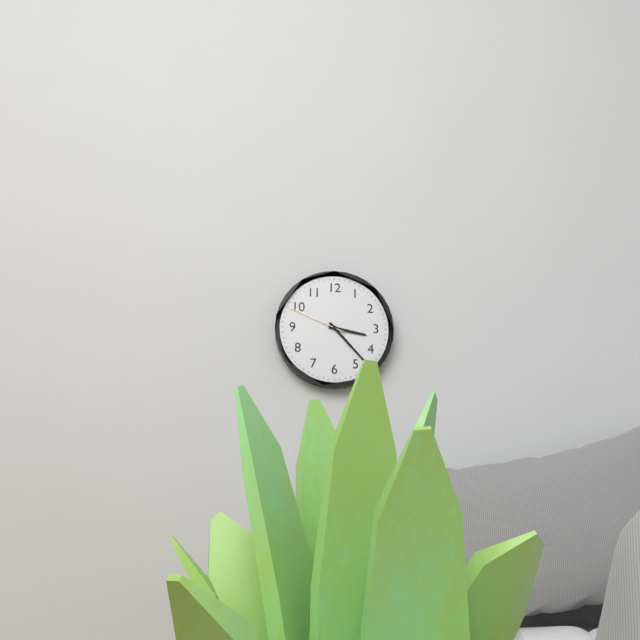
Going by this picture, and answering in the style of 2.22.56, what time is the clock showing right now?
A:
3.23.49
